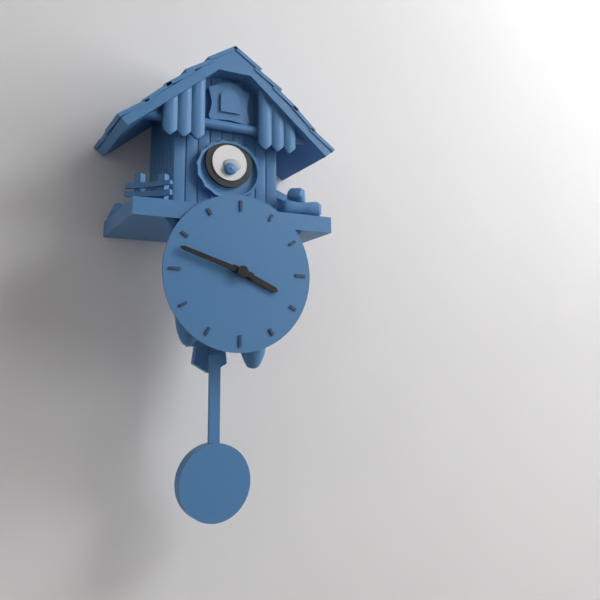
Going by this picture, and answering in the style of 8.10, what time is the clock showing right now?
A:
3.48
